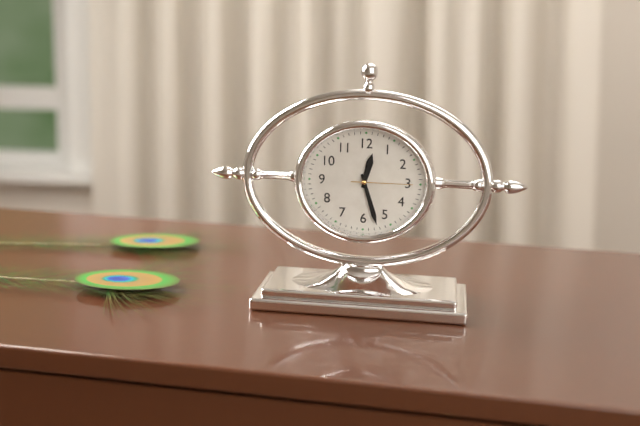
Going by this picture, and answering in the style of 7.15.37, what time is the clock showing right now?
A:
12.27.15
